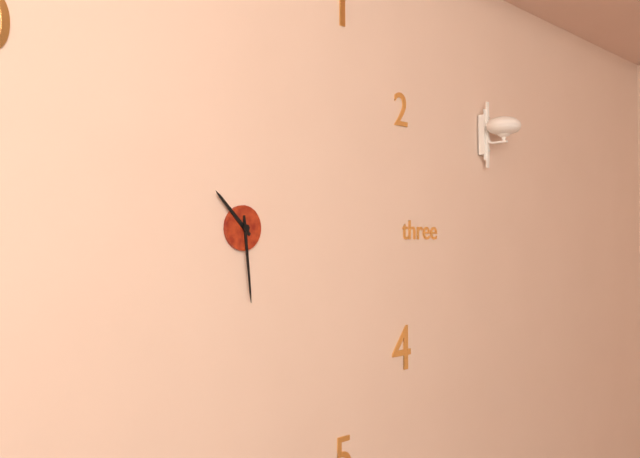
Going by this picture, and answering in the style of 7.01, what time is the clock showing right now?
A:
10.29
